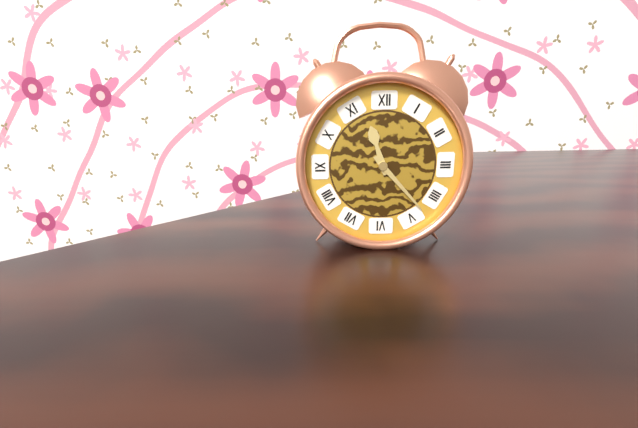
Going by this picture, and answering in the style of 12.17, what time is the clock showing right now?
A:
11.23
